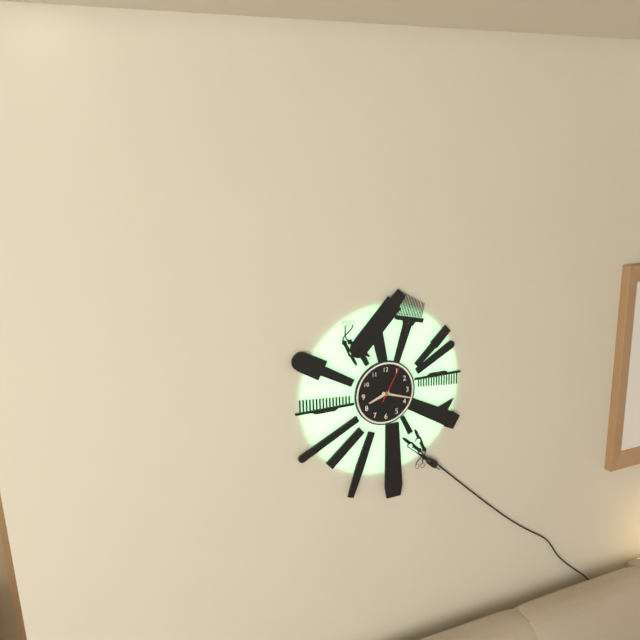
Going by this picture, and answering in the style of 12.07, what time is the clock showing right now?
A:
8.18
